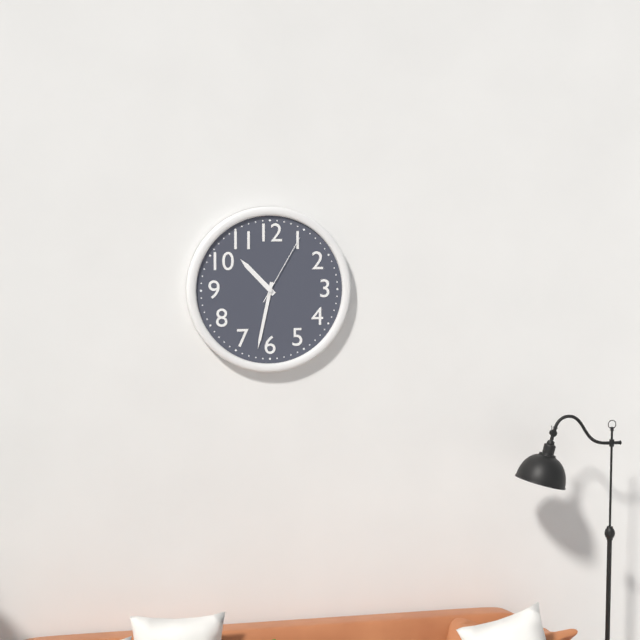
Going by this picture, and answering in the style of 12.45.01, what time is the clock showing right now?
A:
10.32.05
